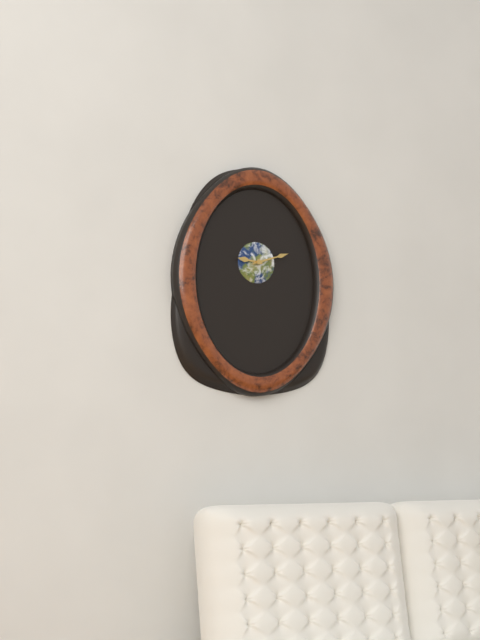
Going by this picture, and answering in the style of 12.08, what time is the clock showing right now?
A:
9.12
